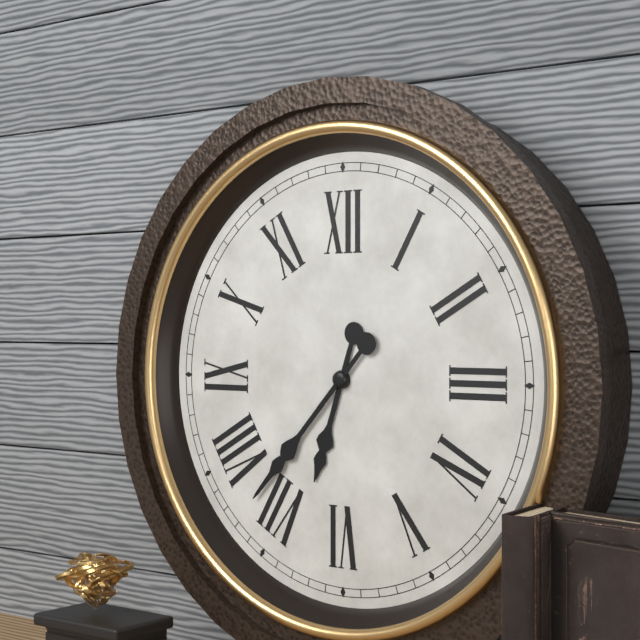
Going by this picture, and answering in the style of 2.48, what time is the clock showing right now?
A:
6.37
